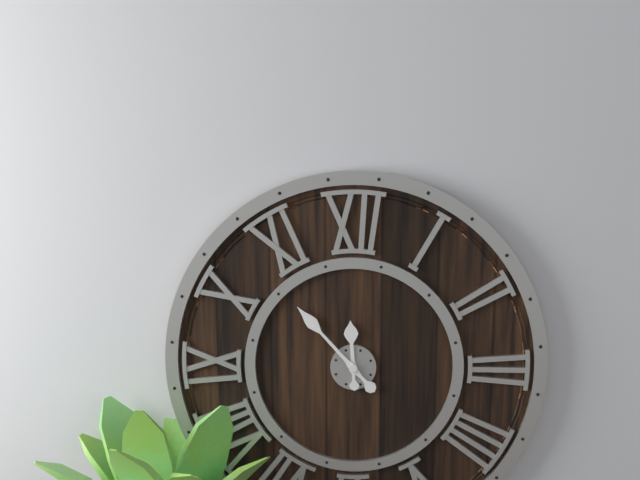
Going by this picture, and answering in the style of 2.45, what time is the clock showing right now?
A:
11.53
